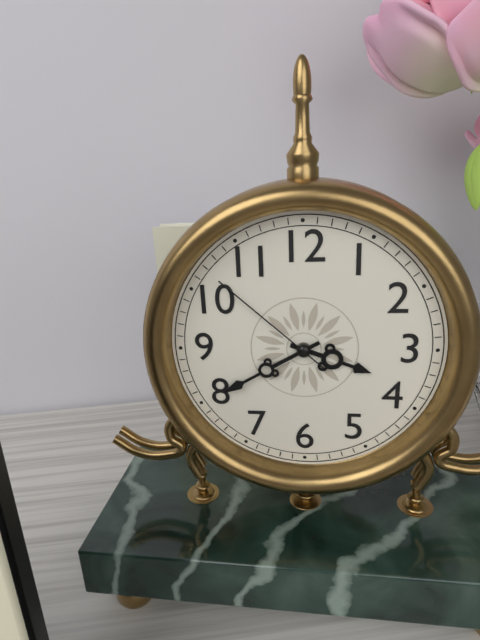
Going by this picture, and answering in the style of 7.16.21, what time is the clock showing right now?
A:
3.40.52
